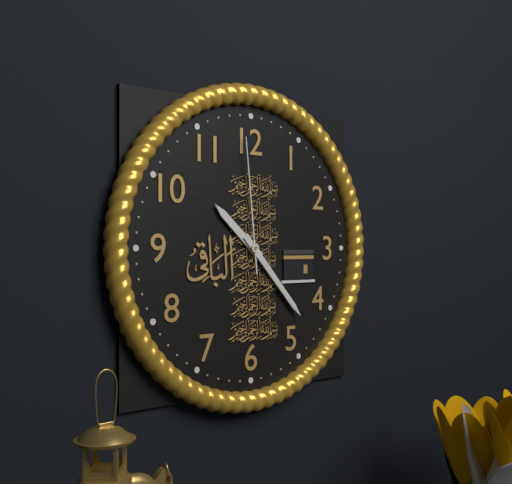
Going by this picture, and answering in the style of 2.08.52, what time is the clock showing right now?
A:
10.23.59
